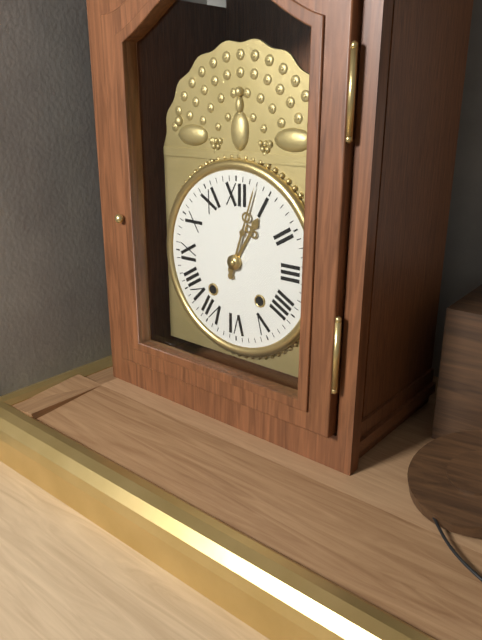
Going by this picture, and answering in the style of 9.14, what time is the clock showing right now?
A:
1.03
